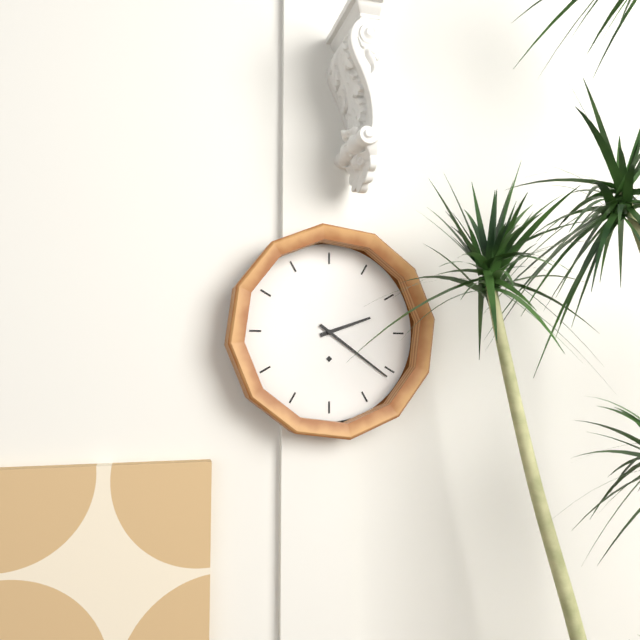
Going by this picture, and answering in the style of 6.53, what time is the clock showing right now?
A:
2.21
